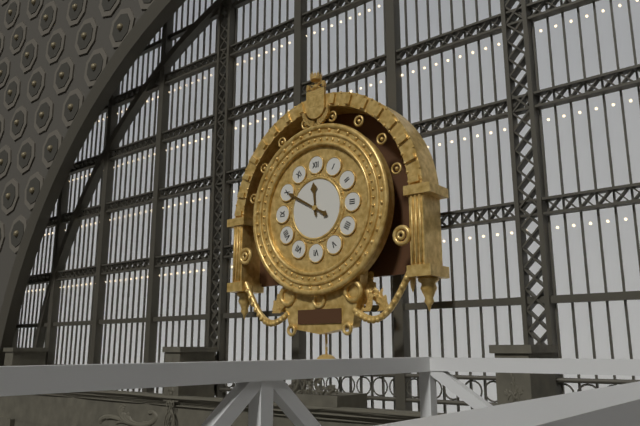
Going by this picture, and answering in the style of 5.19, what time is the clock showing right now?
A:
11.50
